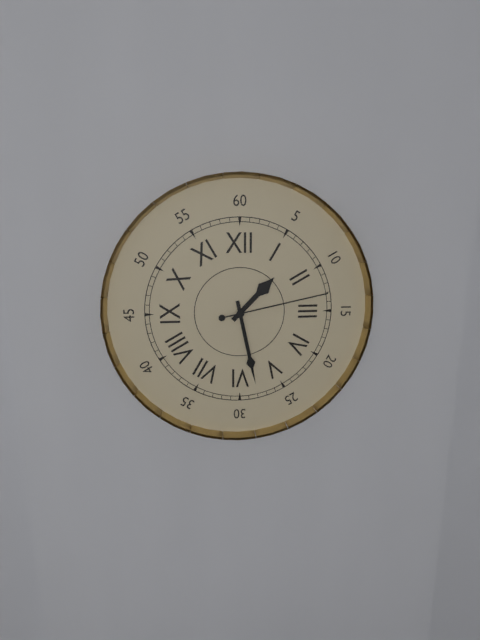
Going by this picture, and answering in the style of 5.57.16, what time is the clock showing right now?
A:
1.28.13
